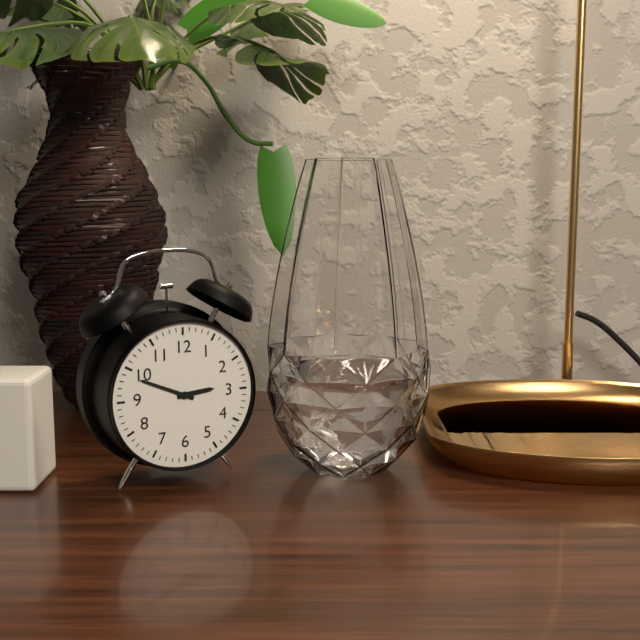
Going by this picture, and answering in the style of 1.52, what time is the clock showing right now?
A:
2.49
